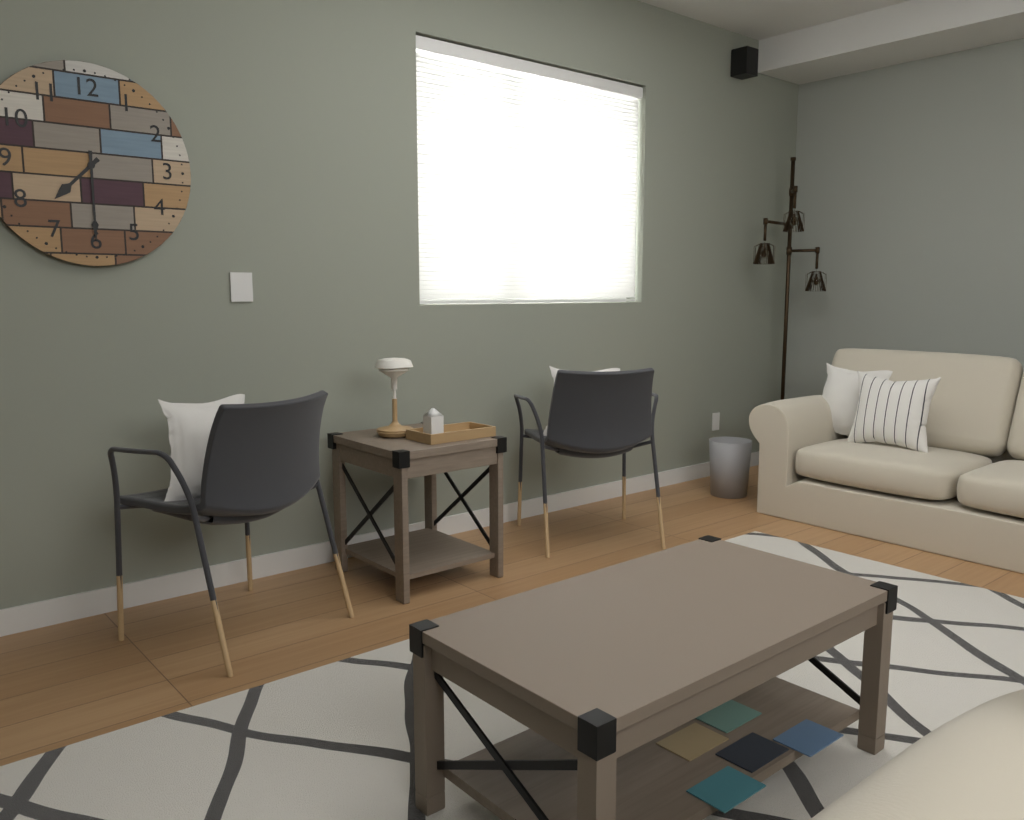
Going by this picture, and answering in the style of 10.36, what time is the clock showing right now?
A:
7.30
